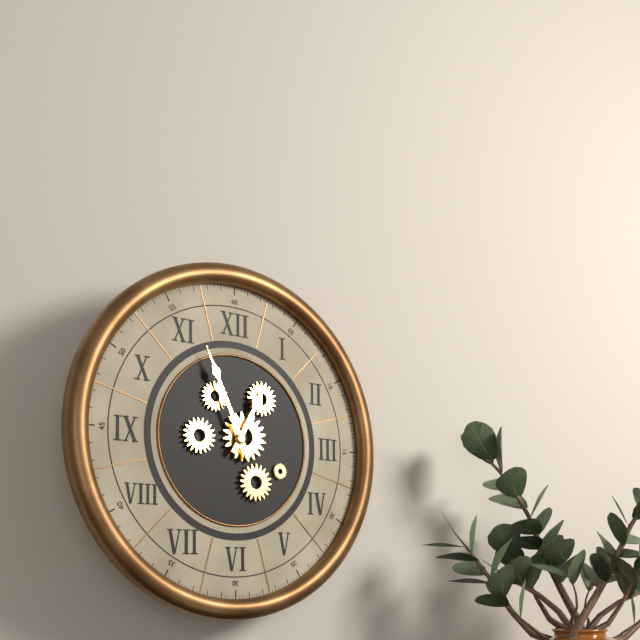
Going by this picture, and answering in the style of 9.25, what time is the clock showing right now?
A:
12.56
